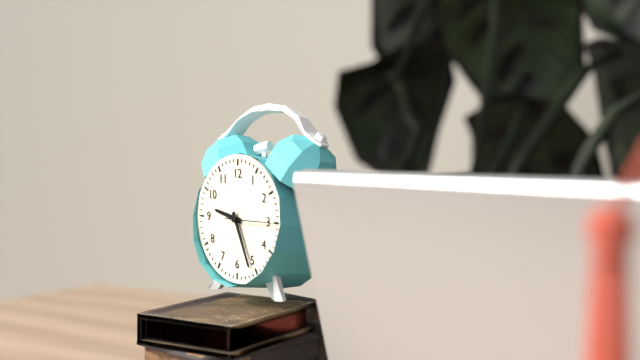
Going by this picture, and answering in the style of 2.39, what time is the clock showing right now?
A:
9.26
